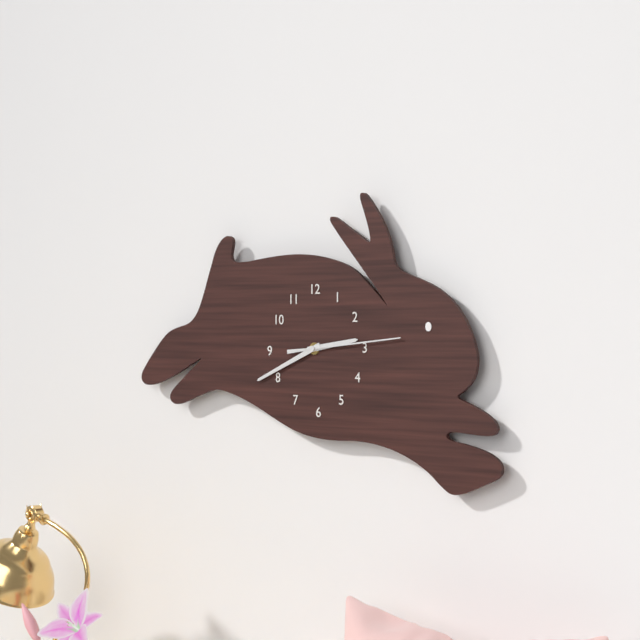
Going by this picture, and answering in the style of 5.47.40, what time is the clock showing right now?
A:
2.41.14
